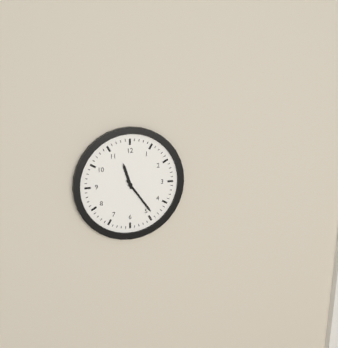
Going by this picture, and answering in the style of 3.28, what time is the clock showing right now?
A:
11.24
